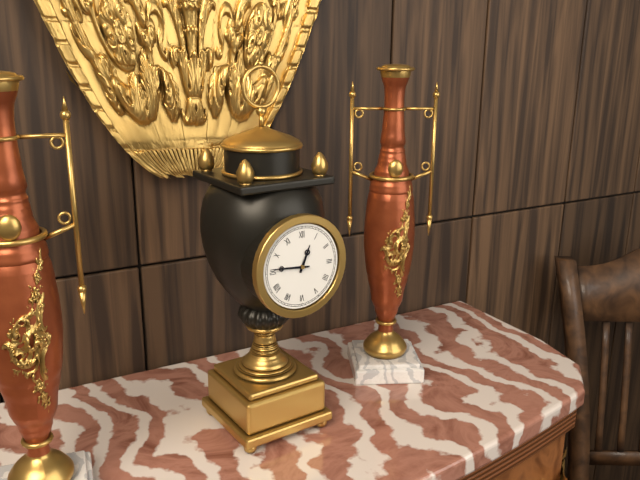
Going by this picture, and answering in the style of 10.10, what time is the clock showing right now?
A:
12.46
